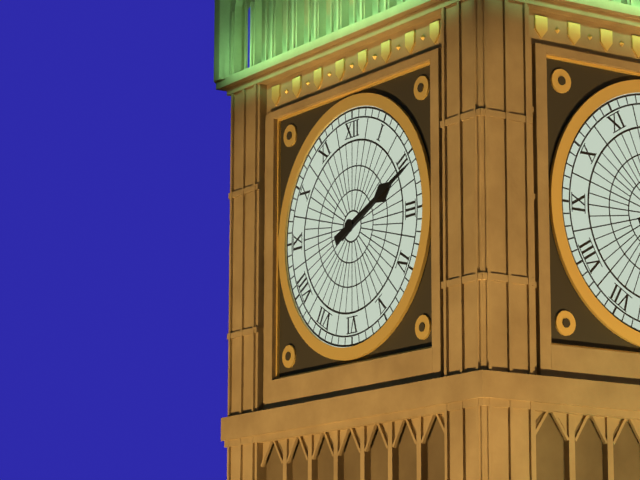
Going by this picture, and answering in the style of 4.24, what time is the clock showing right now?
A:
2.11
